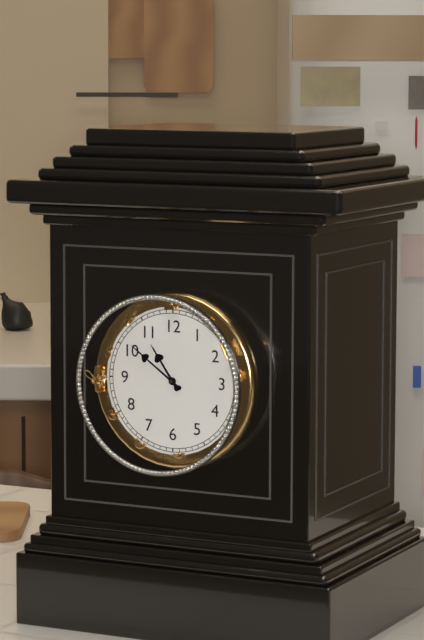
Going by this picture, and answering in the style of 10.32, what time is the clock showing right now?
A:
10.51
